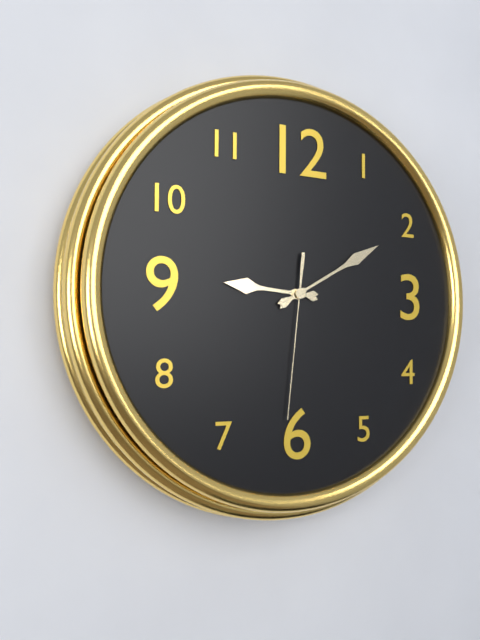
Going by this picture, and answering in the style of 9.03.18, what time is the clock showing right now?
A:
9.10.31
